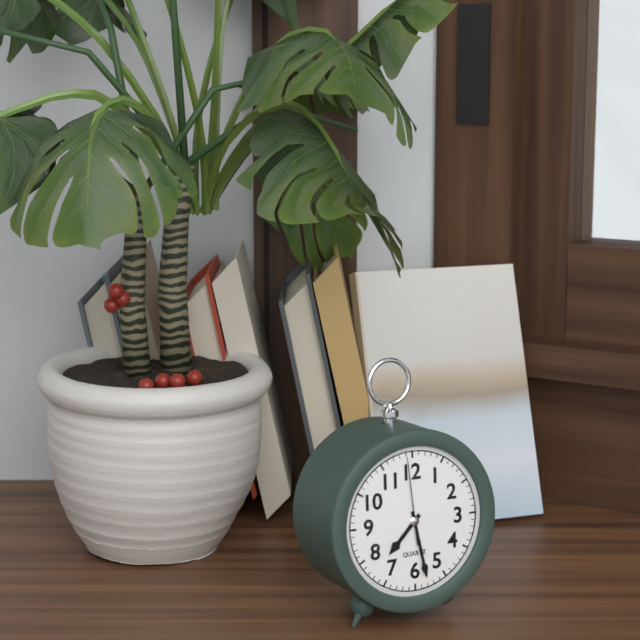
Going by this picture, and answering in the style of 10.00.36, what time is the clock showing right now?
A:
7.28.59
